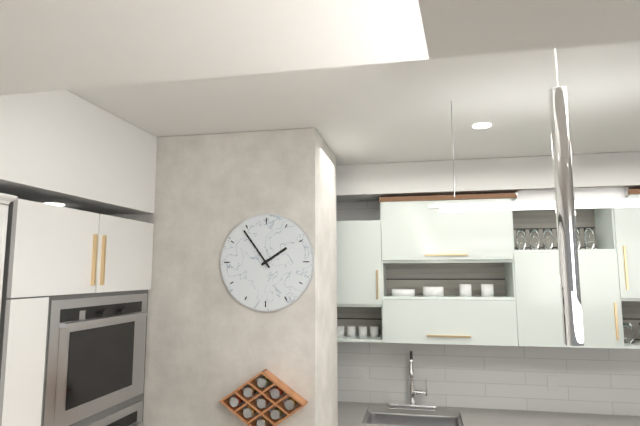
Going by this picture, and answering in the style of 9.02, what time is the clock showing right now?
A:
1.54
